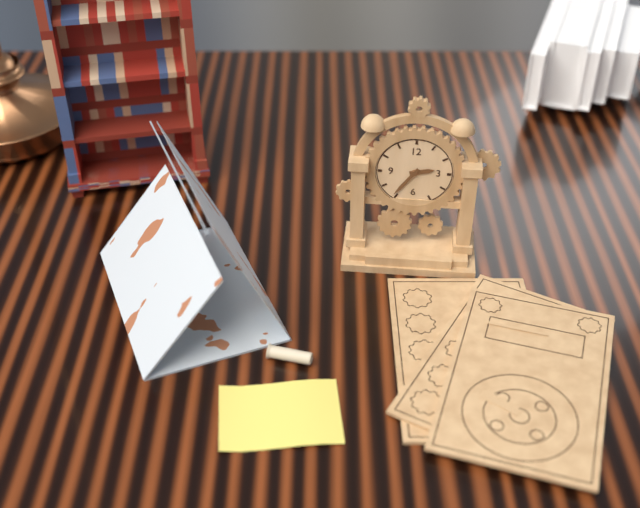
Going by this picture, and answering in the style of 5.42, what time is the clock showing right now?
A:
2.36
